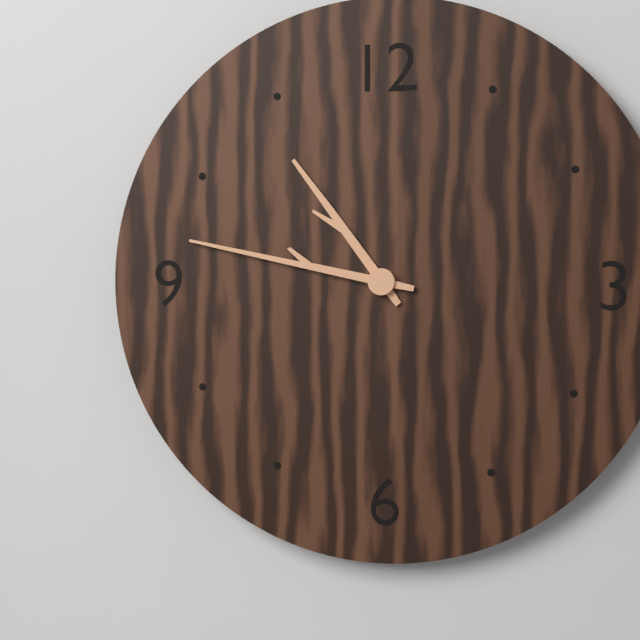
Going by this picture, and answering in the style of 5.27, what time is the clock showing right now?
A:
10.47
